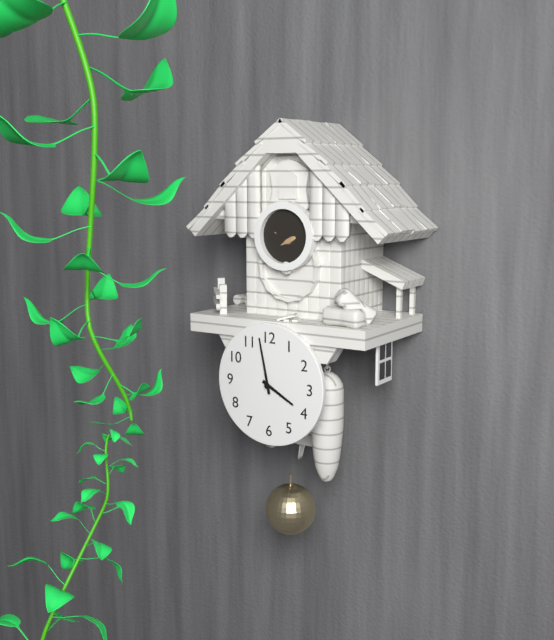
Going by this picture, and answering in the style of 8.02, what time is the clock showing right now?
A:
3.58
